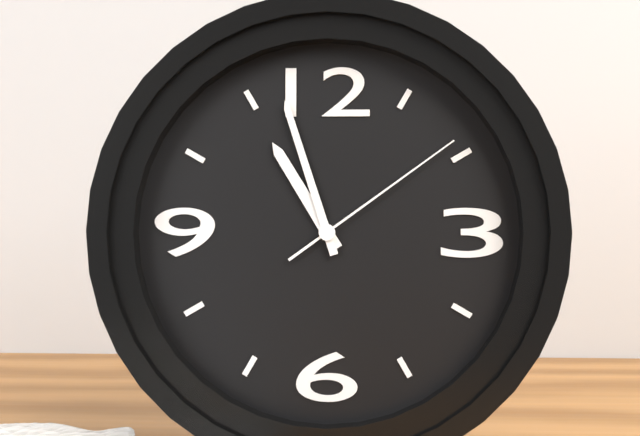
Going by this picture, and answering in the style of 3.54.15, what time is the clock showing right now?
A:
10.57.09
